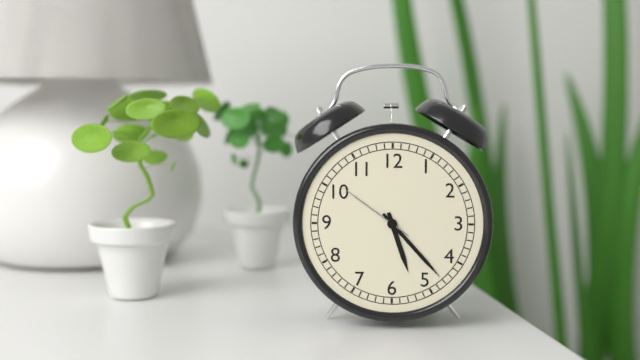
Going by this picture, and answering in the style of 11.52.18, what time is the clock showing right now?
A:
5.23.51
